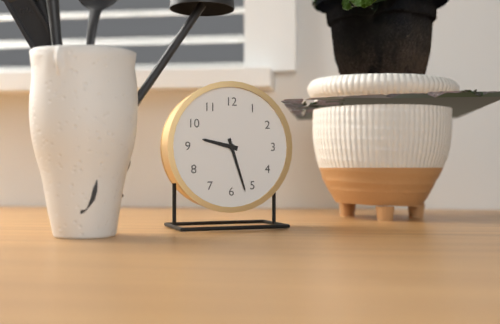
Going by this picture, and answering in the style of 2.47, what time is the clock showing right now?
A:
9.27
